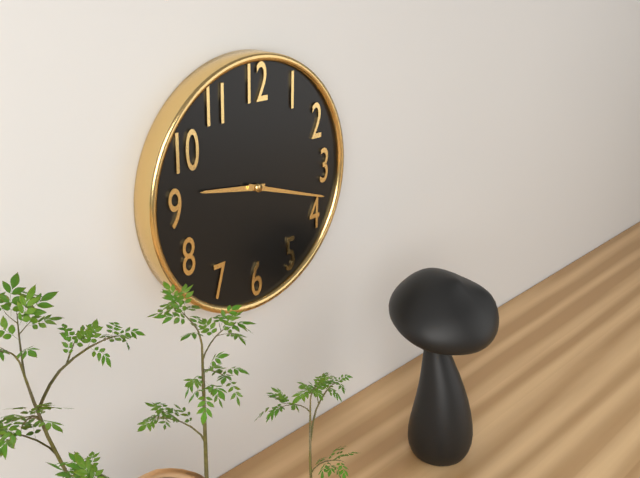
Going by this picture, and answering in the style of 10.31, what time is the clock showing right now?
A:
9.18
